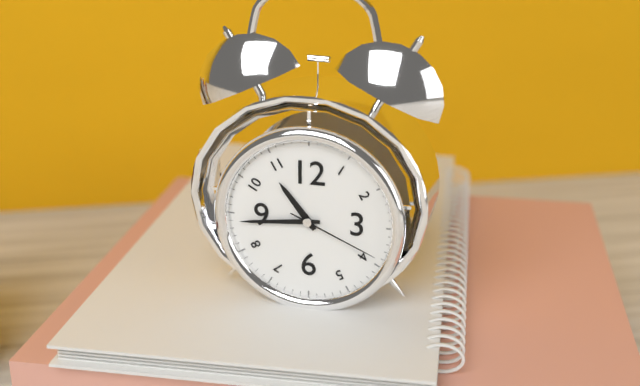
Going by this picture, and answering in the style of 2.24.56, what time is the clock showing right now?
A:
10.44.19
